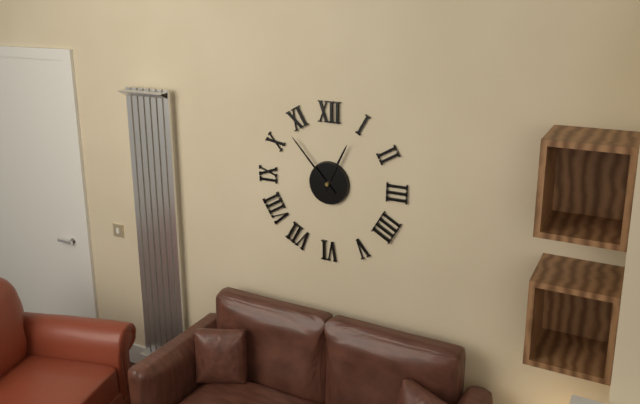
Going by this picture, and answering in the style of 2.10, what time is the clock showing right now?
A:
12.53
